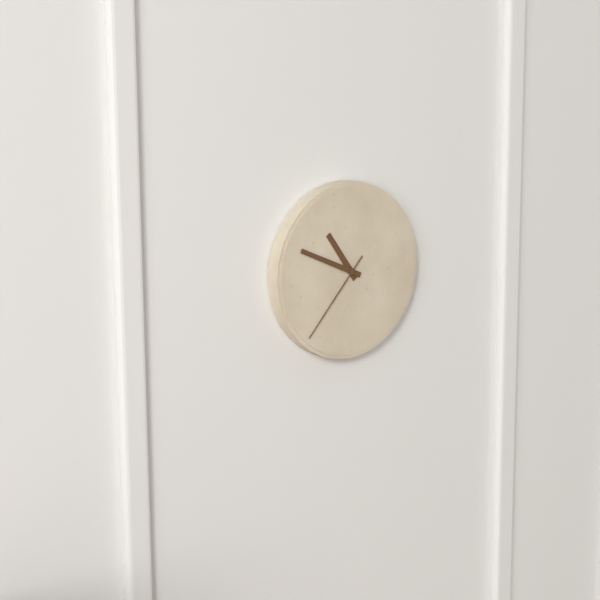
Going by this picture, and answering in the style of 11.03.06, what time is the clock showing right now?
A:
10.49.37
